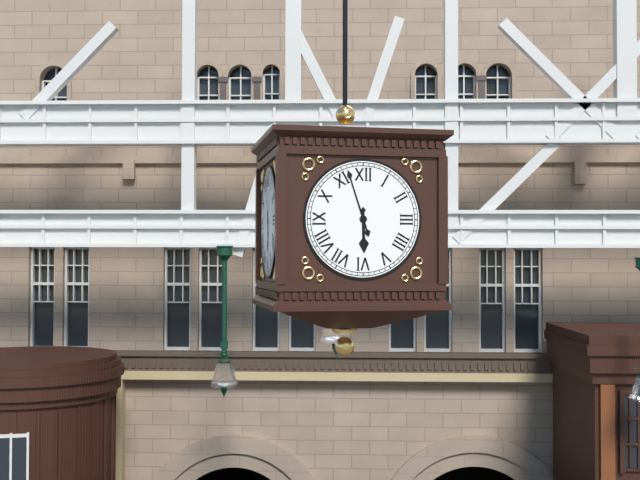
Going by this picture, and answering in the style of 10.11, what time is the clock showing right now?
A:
5.57
